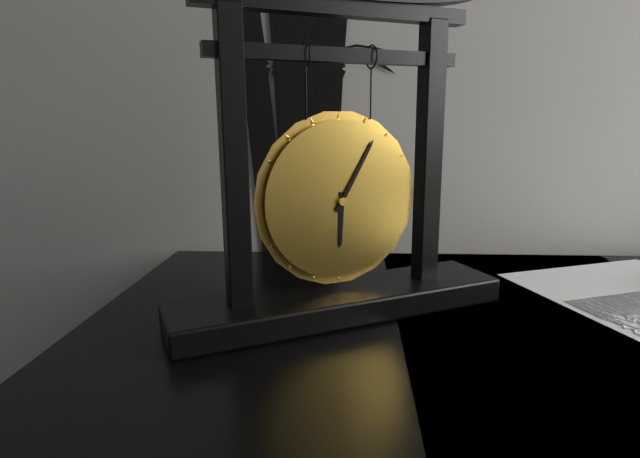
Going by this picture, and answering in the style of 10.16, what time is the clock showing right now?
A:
6.05
